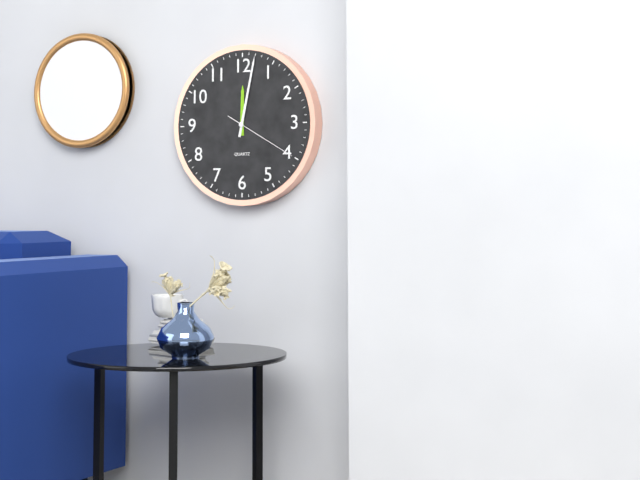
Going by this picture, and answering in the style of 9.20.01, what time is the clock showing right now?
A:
12.02.20
